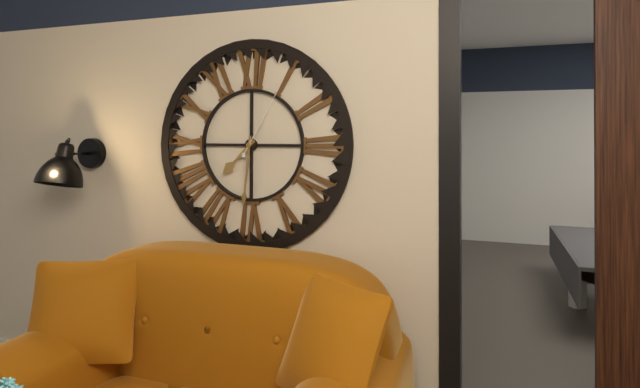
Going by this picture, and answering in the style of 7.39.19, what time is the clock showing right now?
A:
7.31.05
